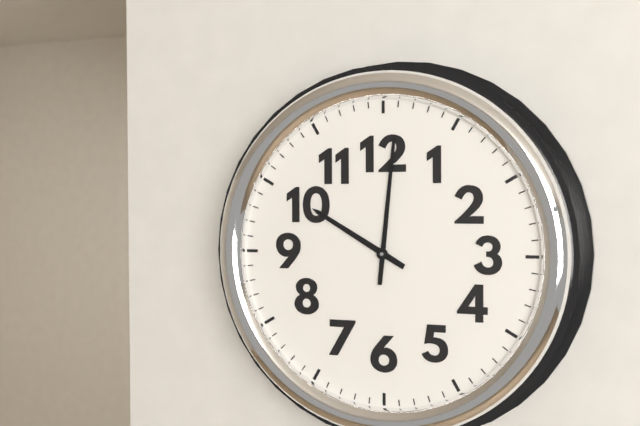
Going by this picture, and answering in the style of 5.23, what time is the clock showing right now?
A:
10.01
